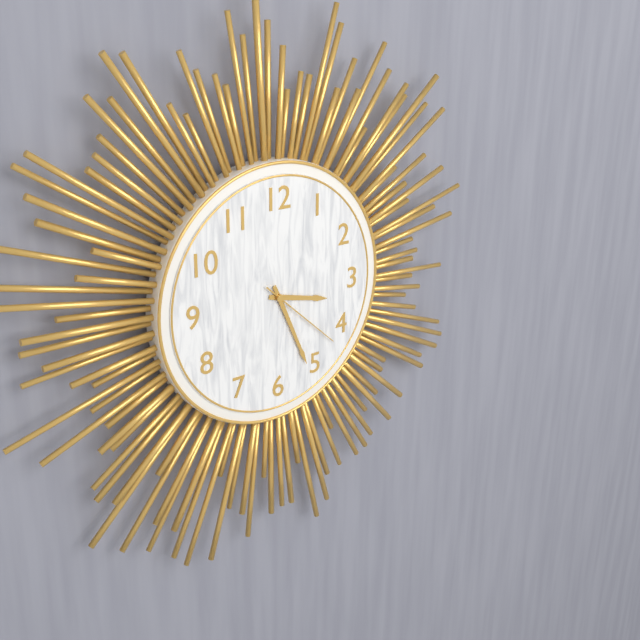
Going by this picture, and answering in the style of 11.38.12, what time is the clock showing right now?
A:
3.26.22
